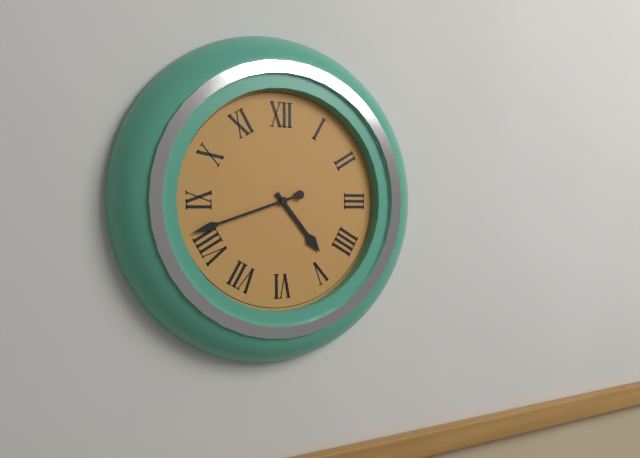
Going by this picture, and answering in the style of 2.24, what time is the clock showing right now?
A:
4.42
